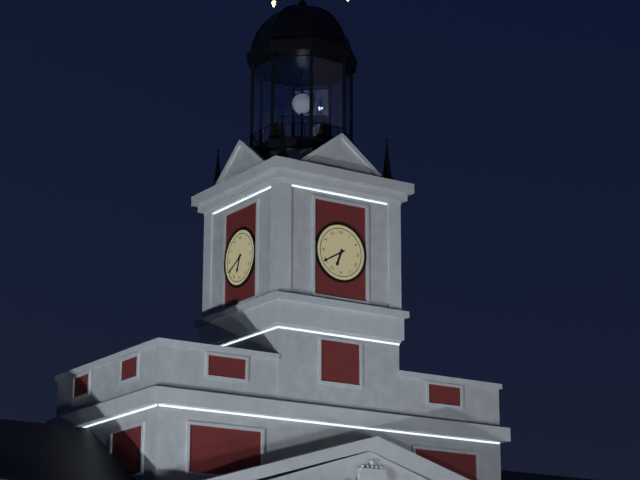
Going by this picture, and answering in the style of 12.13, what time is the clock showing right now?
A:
6.40
